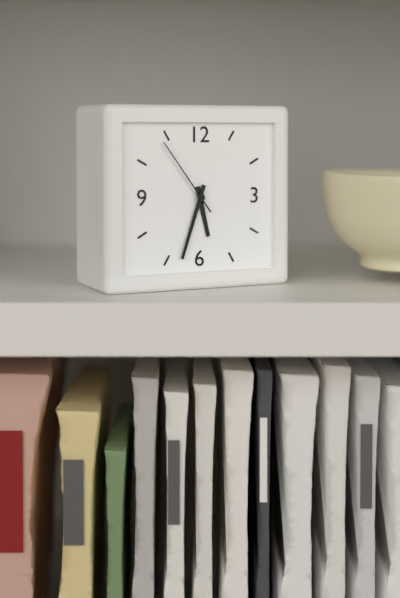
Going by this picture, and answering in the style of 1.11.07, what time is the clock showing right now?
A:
5.33.54
